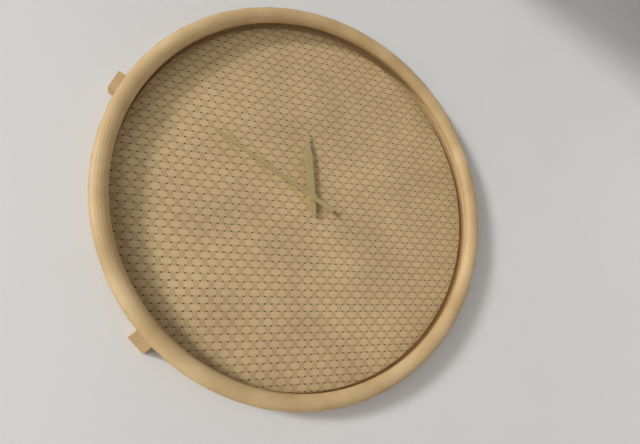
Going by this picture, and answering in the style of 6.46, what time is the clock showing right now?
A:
11.50
